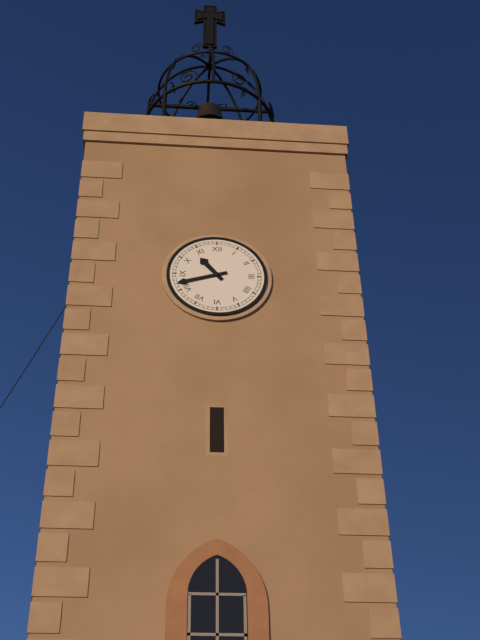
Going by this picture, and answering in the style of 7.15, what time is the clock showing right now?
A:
10.42
